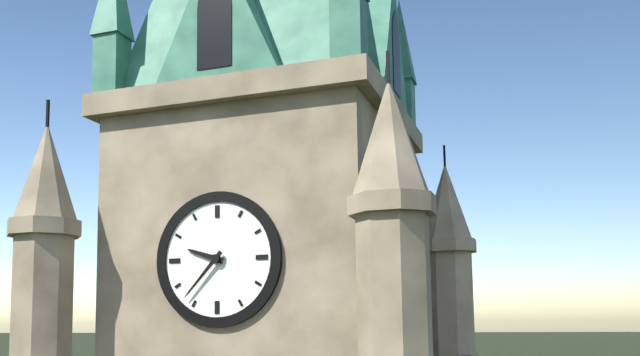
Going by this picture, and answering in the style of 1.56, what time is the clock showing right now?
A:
9.37
